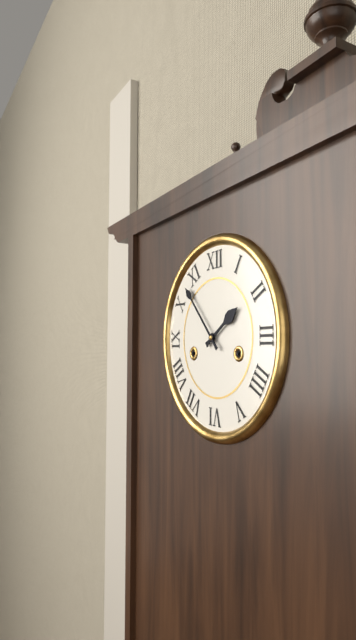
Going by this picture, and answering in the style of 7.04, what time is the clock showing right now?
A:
1.53
